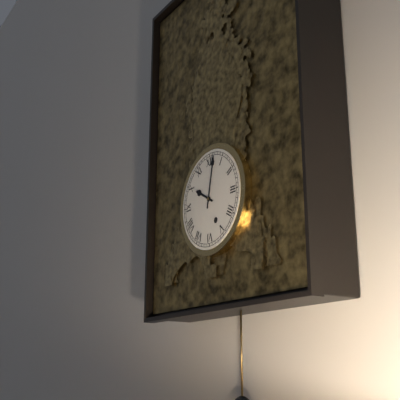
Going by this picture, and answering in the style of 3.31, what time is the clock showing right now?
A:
10.02
